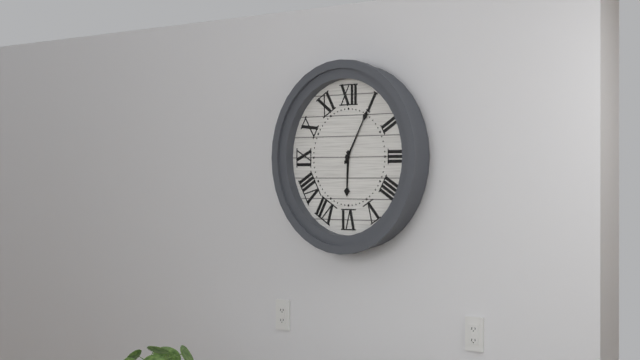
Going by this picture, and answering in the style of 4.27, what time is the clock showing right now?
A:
6.05
